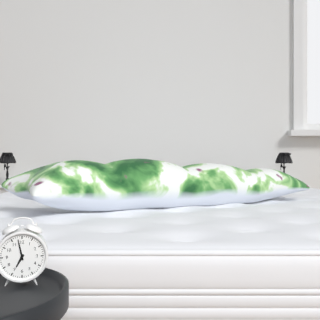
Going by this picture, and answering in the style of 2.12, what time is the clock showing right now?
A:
6.58
